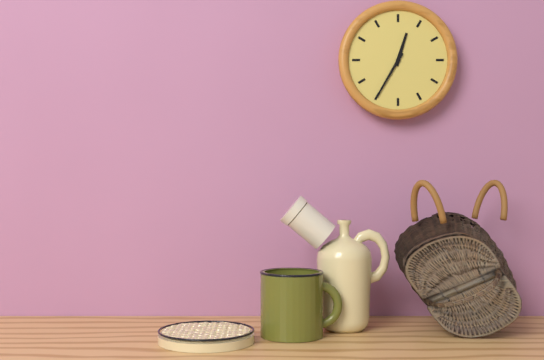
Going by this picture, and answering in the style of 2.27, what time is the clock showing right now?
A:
12.35
